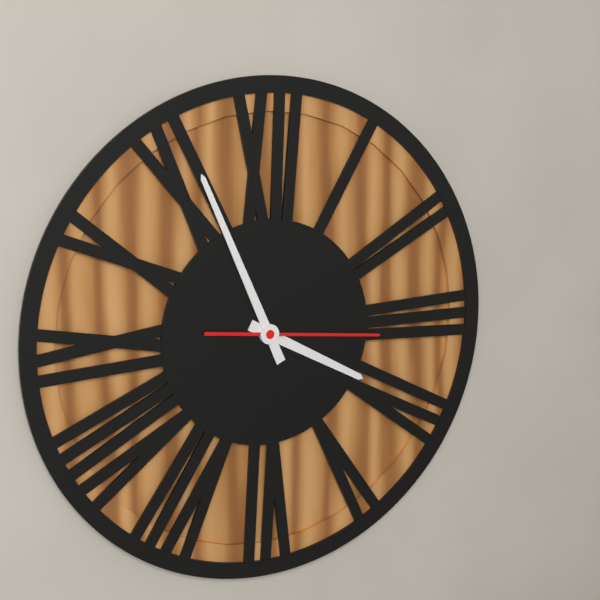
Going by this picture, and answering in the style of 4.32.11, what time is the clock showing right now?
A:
3.56.16
